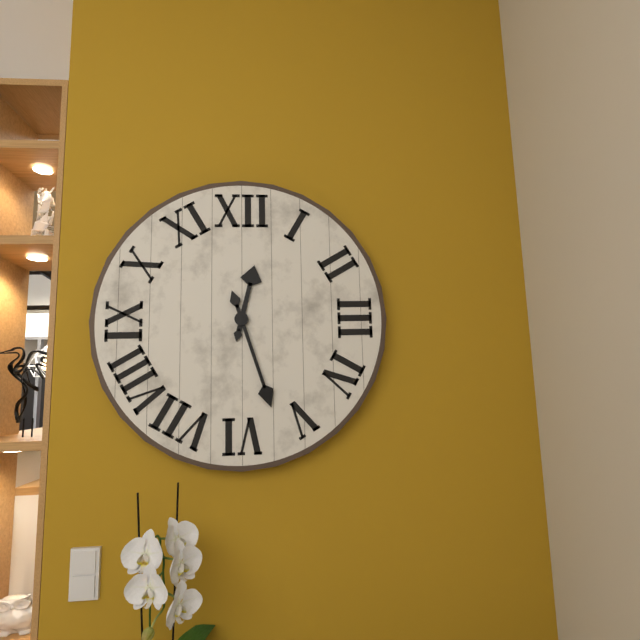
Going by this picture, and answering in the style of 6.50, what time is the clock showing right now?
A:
12.27
